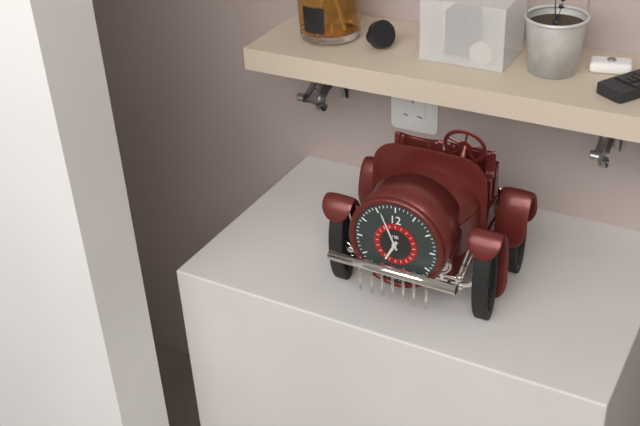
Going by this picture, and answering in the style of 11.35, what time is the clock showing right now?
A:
6.56
